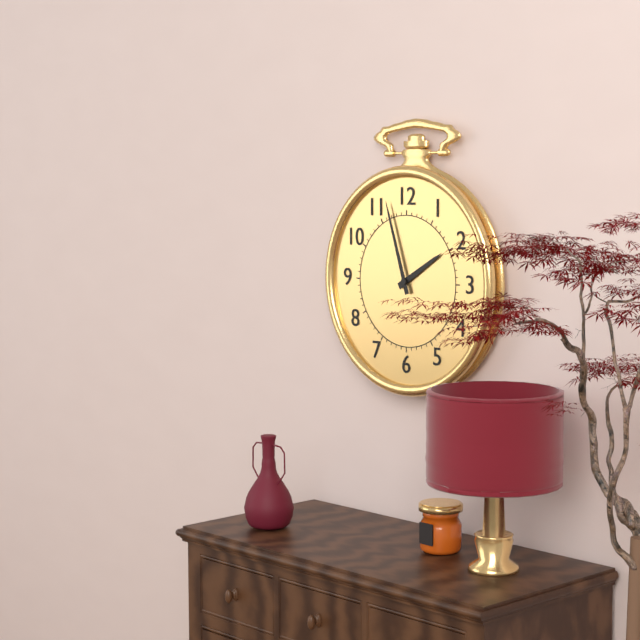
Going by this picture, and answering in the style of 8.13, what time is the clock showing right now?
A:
1.57
